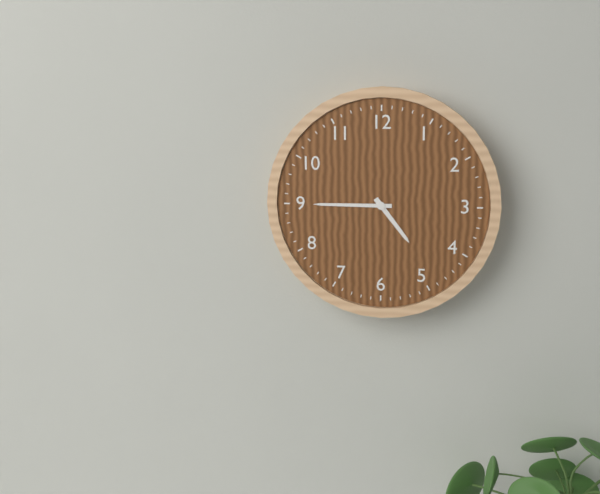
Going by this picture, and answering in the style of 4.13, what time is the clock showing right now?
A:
4.45
